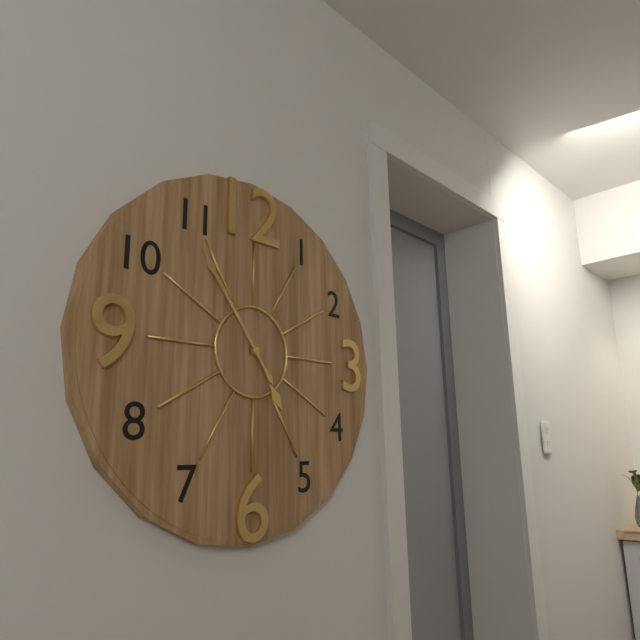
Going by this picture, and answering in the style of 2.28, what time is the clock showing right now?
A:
4.54
